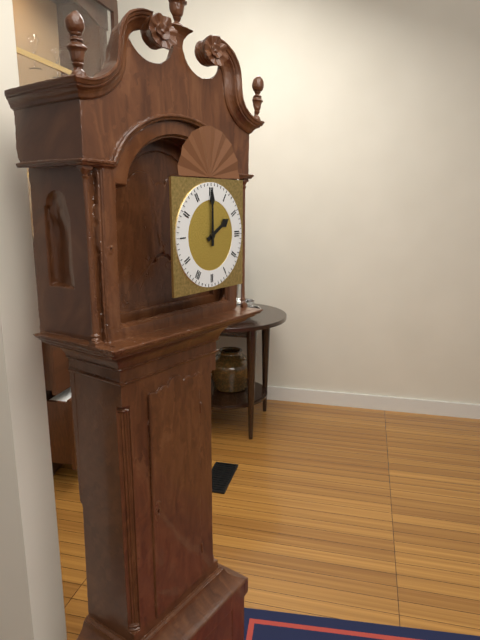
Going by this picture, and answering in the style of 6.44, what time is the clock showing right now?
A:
2.00
